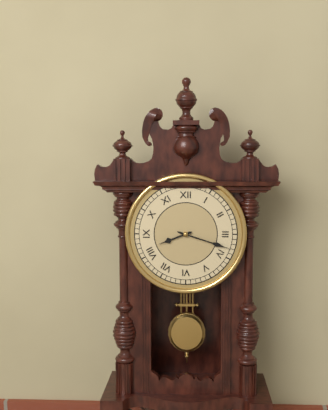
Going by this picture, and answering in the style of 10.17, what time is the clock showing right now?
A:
8.18
